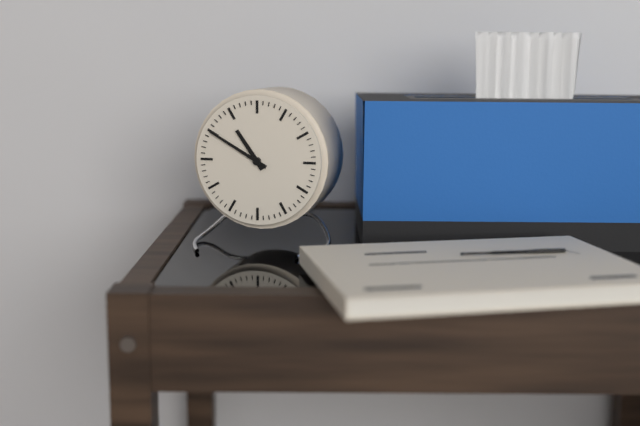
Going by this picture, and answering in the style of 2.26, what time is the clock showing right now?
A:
10.50
